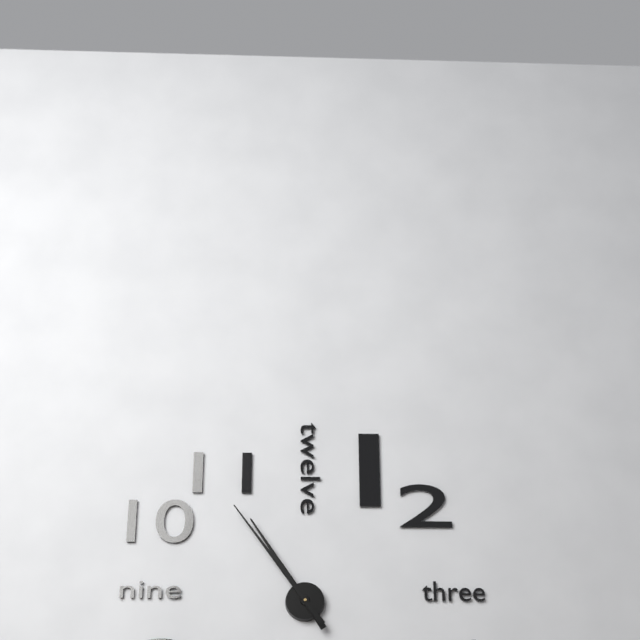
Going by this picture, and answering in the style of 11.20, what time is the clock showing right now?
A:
10.54
